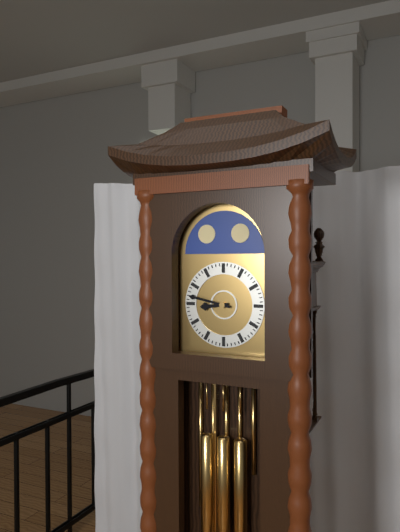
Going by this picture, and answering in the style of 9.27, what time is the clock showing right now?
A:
8.47
